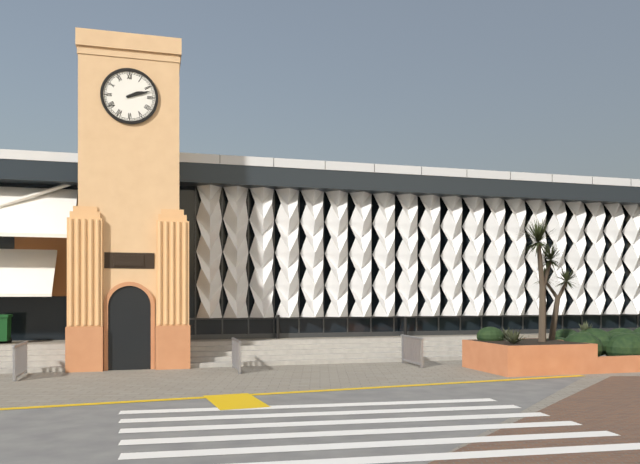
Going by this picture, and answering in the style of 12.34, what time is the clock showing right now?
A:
2.12
